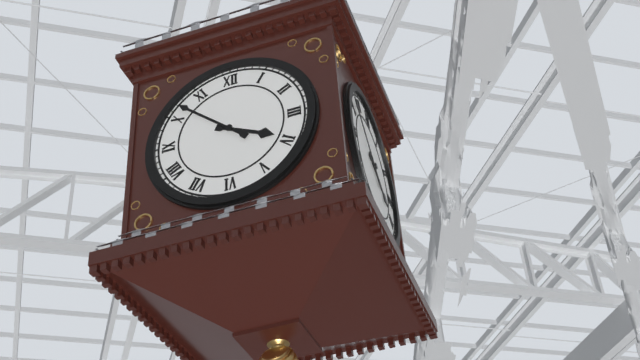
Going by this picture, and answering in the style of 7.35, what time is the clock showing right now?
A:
3.52
